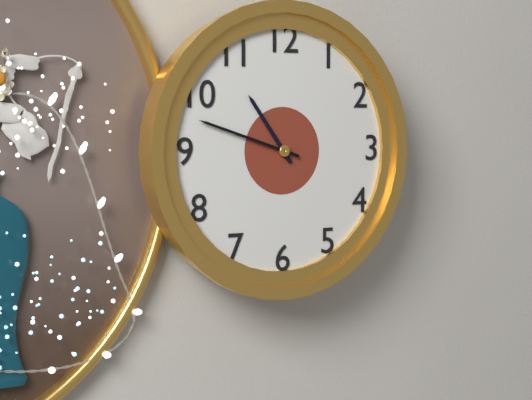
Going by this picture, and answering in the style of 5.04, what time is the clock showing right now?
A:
10.48
